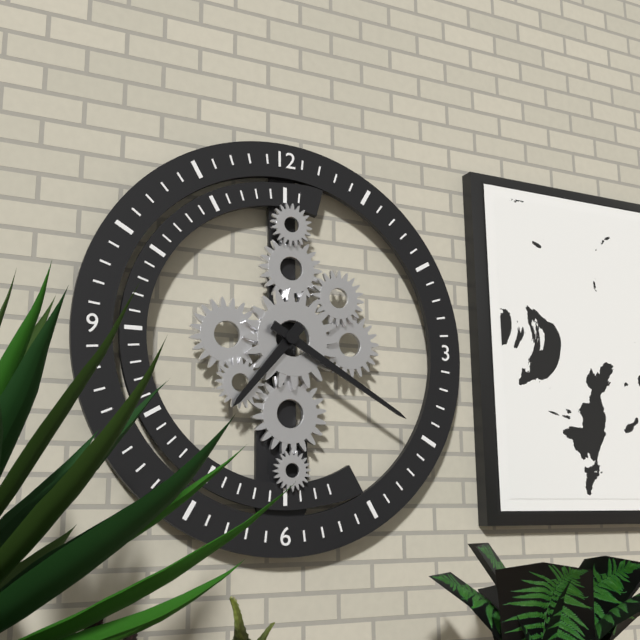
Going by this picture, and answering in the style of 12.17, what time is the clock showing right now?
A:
7.20
